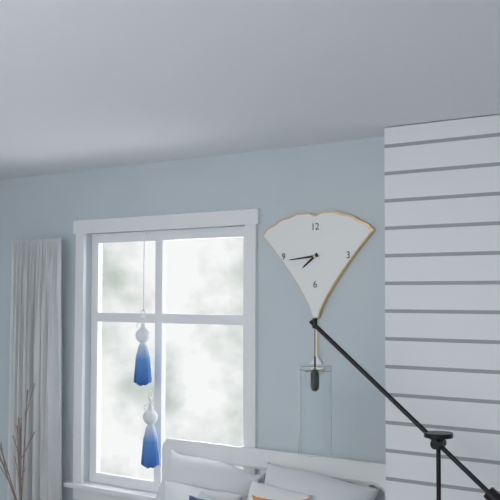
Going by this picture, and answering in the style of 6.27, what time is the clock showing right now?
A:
7.44
